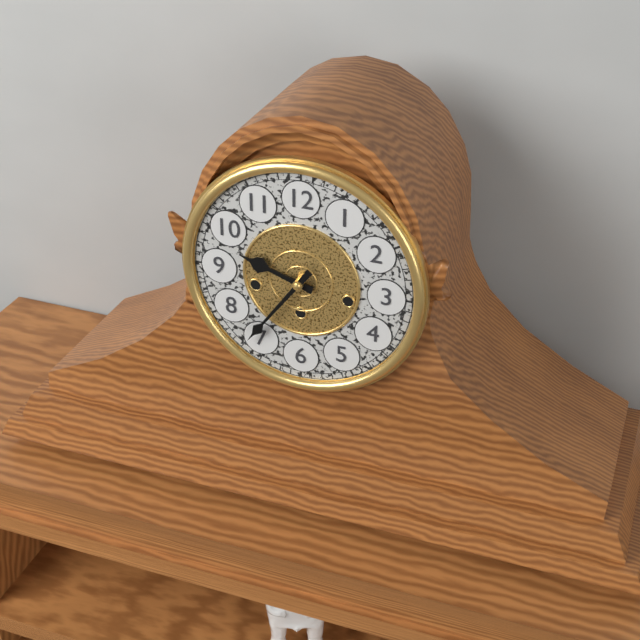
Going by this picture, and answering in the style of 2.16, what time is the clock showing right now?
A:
9.36
